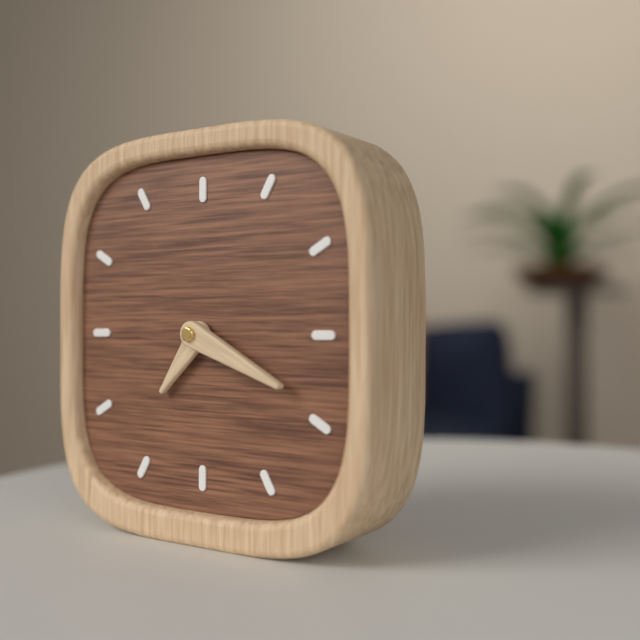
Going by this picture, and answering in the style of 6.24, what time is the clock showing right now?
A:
7.19
